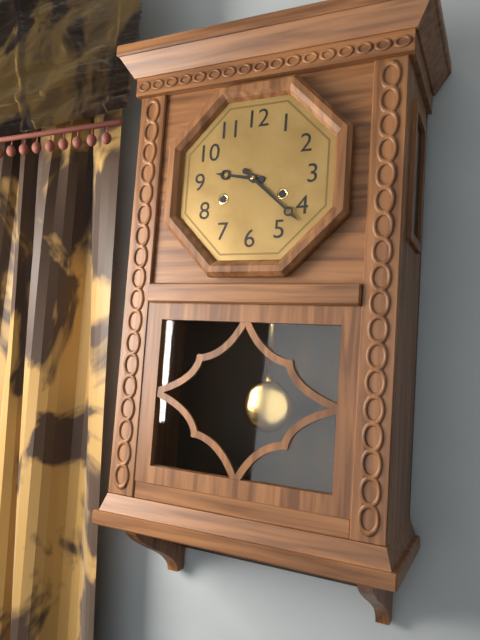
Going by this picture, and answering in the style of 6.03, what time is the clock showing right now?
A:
9.22
